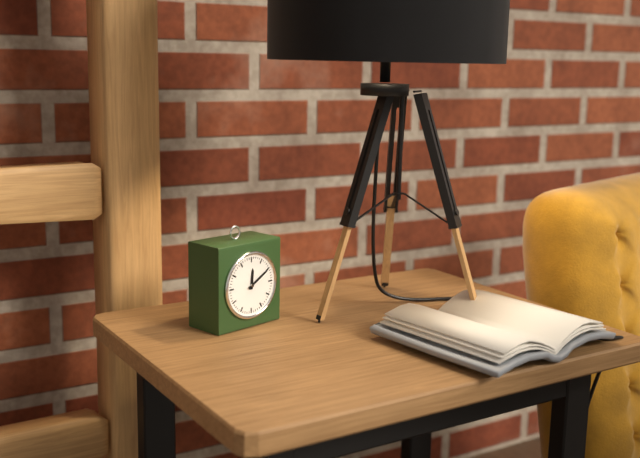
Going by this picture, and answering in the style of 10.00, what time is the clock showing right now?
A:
12.10
